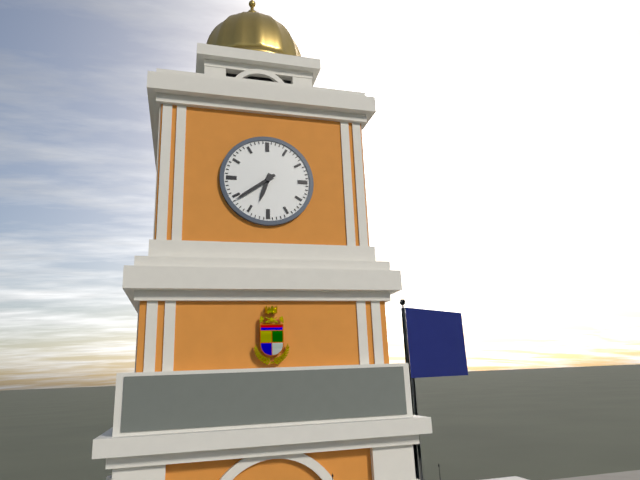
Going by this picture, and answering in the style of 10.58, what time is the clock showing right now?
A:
6.39
